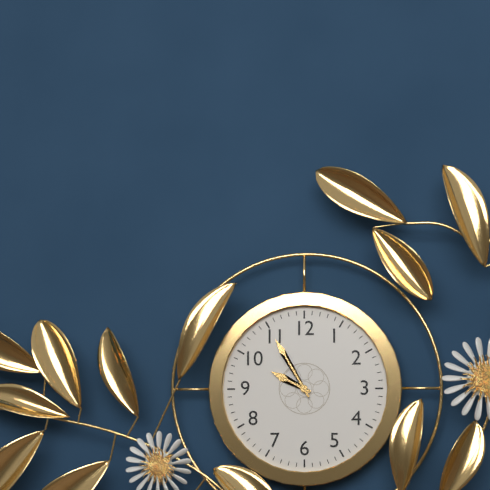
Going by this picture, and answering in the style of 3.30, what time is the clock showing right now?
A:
9.55
